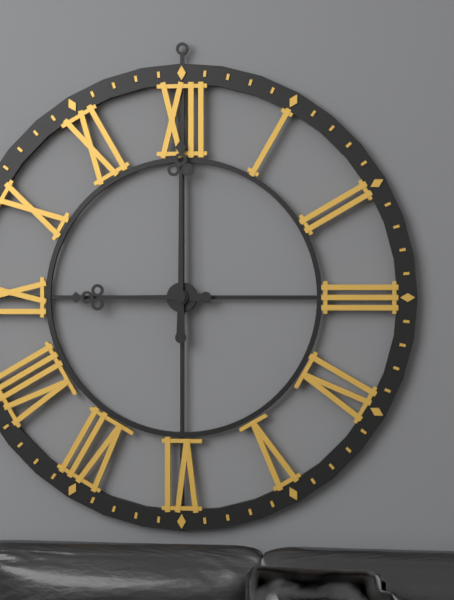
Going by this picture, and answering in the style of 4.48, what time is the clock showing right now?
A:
9.00
